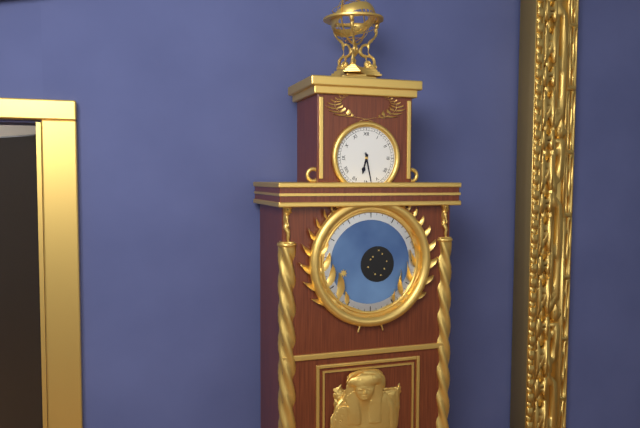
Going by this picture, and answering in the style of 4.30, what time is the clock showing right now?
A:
6.28
